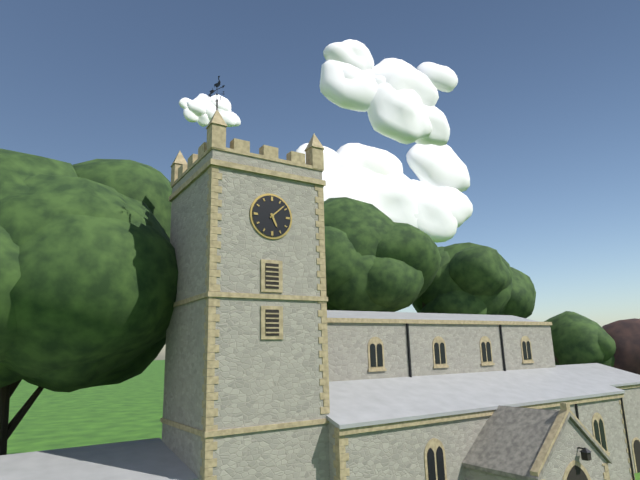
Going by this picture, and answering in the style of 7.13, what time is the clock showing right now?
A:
5.08
